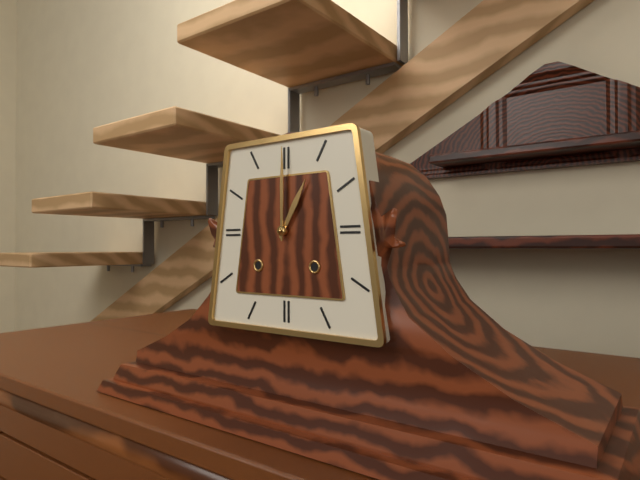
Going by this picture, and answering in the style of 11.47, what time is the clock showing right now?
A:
1.00
